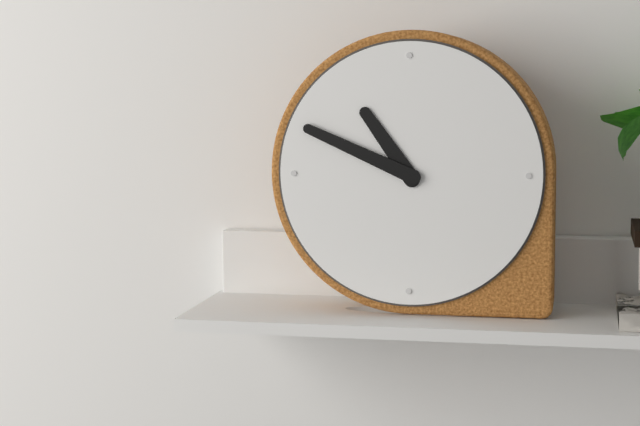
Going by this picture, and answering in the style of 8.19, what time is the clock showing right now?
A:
10.49
